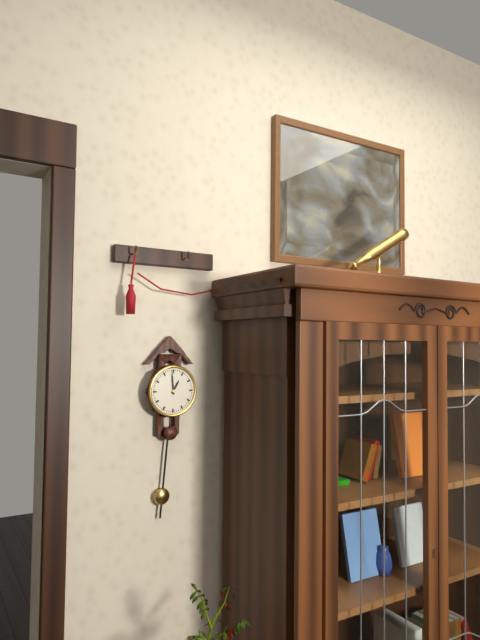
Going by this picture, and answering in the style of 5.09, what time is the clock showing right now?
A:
12.59
